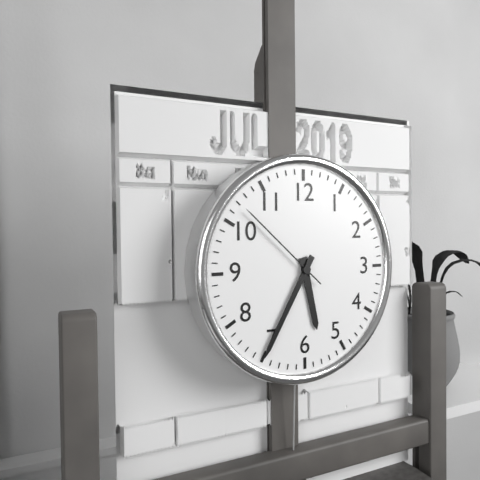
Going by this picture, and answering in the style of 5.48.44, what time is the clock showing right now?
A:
5.35.52
